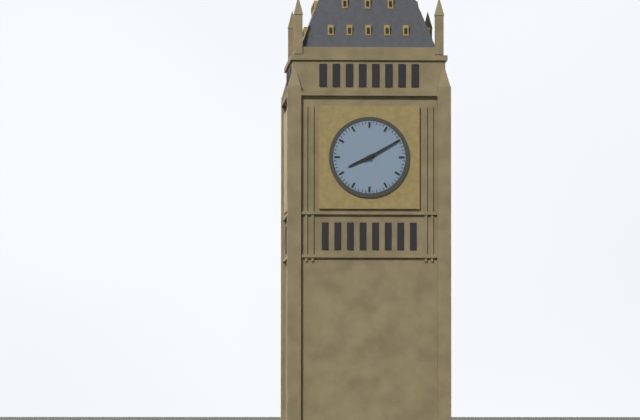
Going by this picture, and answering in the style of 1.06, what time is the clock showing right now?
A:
8.10
